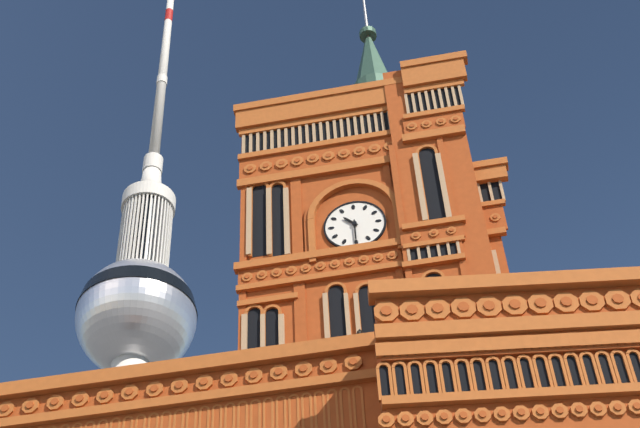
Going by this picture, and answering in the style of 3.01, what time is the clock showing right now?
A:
10.30
